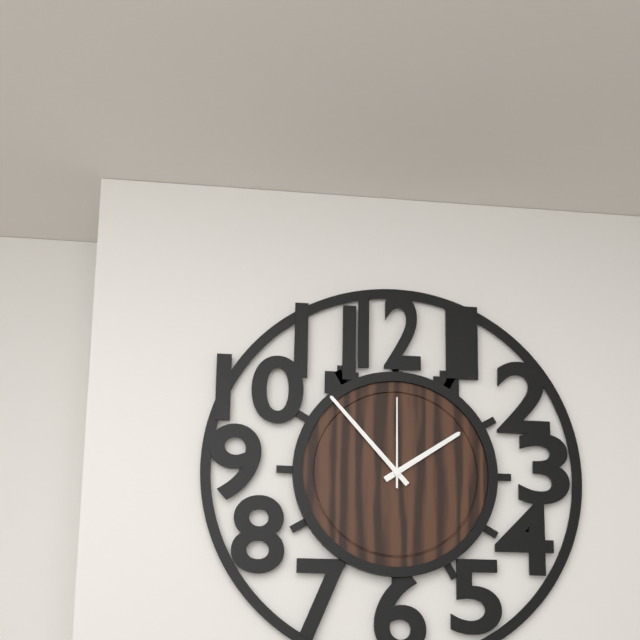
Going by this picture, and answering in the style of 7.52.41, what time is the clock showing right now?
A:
1.53.00
